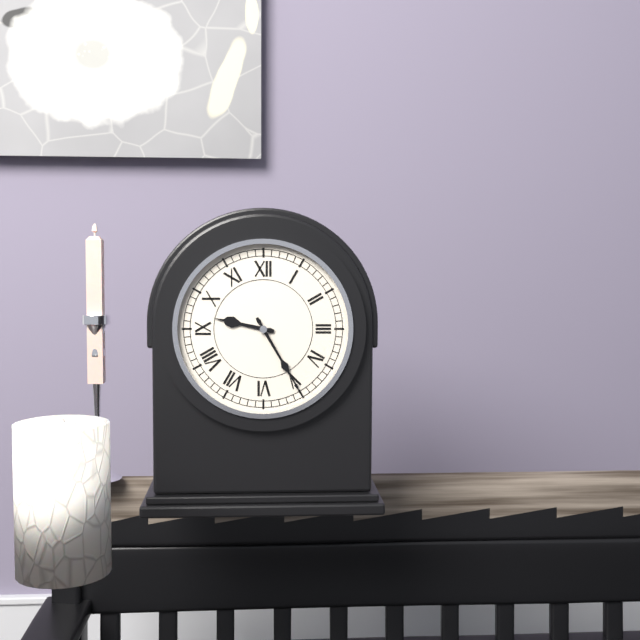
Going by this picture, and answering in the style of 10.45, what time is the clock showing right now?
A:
9.25
